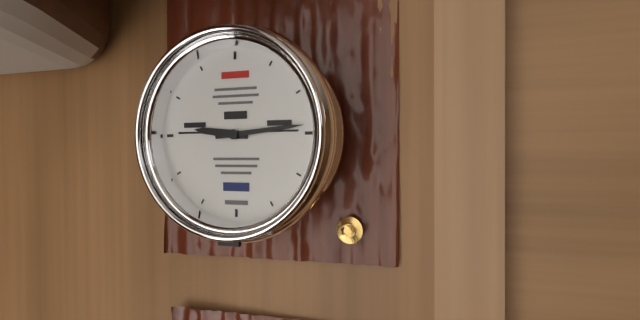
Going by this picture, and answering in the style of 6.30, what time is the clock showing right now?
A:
9.14
